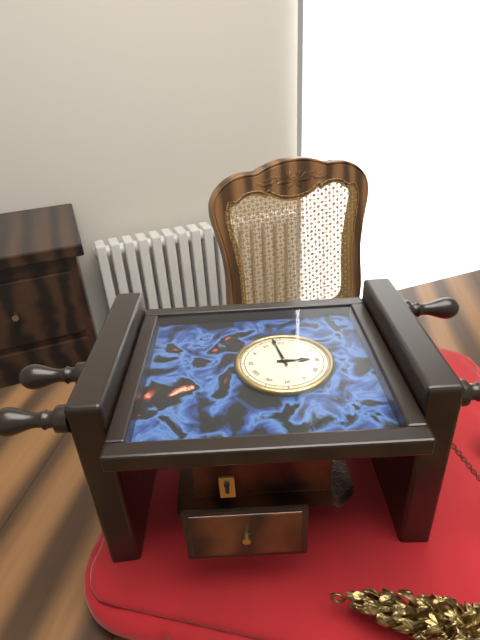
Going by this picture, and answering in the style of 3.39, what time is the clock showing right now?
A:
2.58
